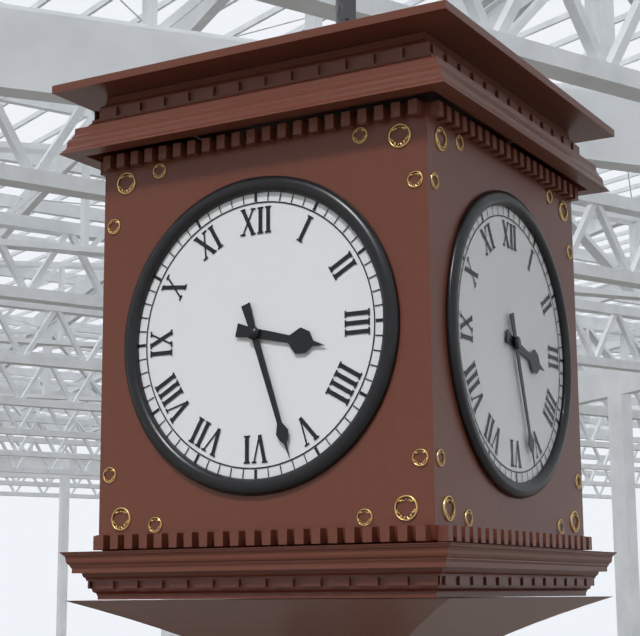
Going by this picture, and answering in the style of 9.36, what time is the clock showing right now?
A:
3.27
